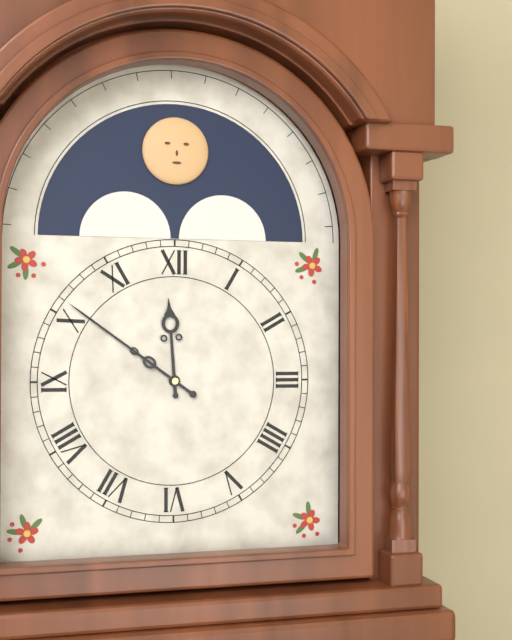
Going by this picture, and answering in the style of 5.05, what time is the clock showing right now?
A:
11.51
